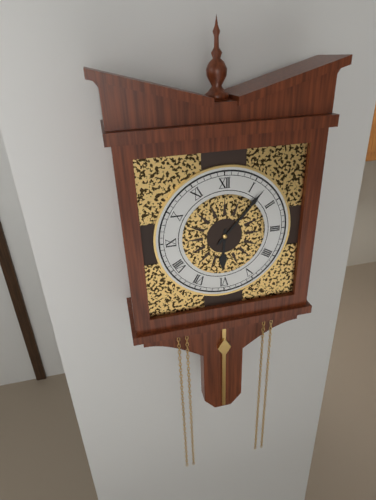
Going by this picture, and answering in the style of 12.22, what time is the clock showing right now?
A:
6.07
